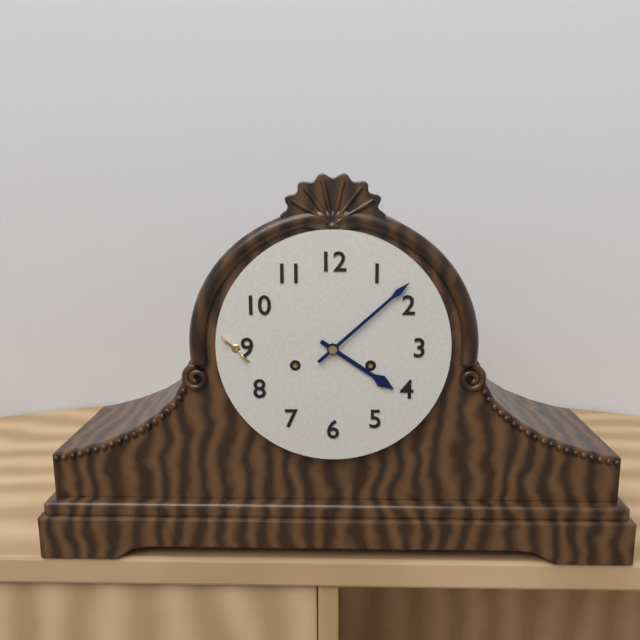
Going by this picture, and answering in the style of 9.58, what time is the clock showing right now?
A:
4.08
